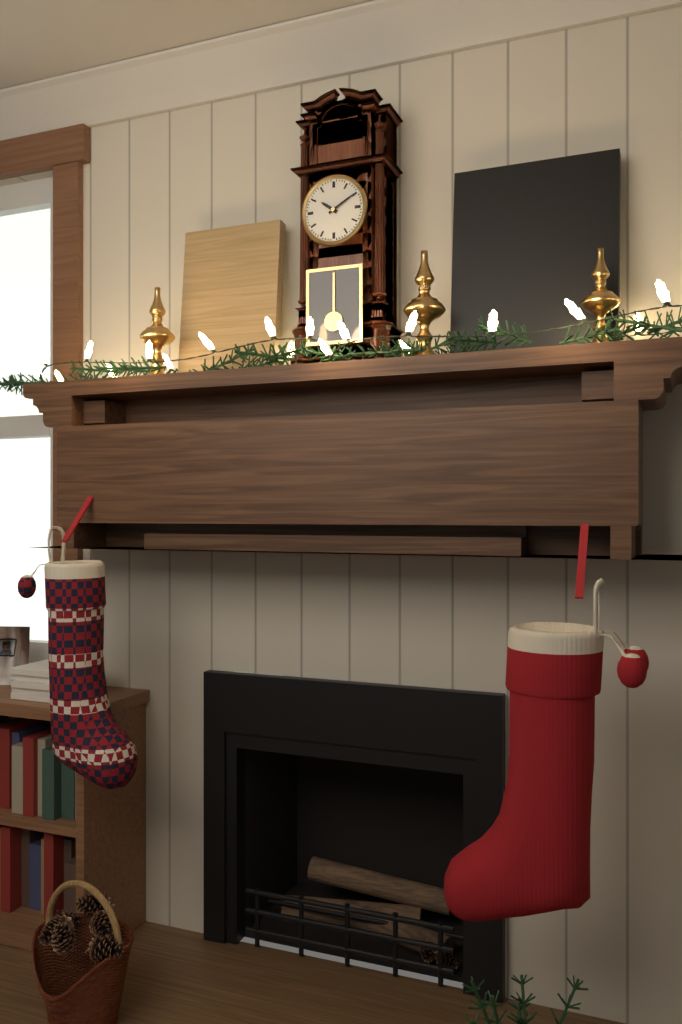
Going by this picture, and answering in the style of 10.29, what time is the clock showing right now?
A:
10.10
